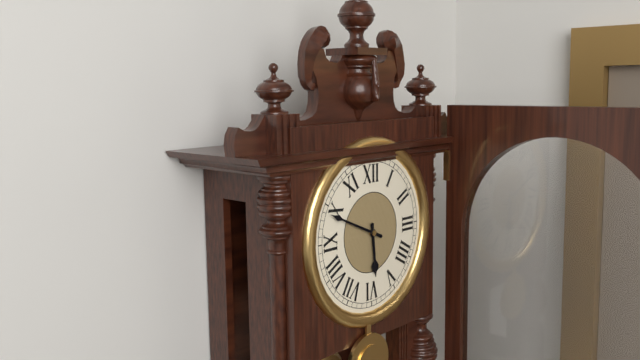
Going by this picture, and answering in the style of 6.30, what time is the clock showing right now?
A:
5.49
